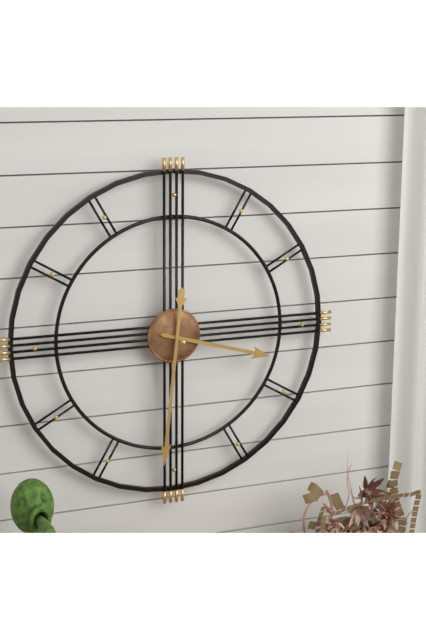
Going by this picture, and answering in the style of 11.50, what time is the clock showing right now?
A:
3.31
